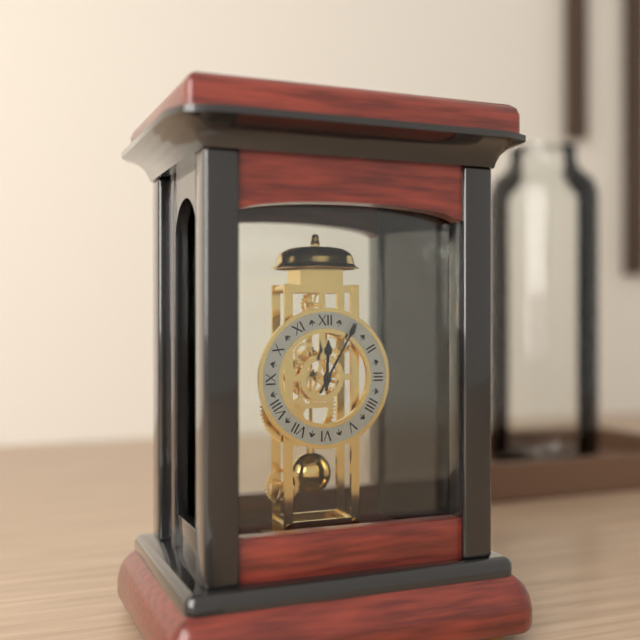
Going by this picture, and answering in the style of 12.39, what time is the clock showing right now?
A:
12.05
